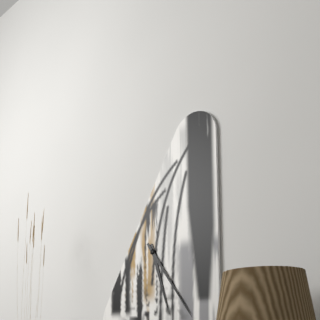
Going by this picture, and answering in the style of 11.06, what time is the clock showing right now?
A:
5.24
